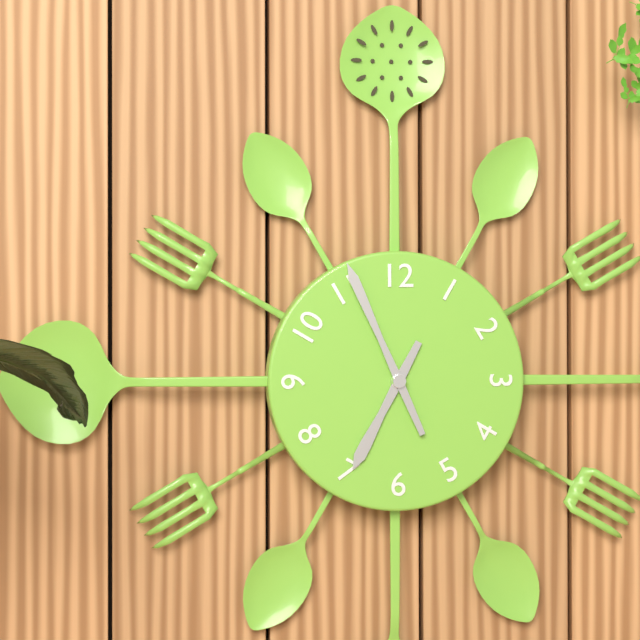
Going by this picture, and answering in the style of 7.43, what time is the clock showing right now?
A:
6.56
